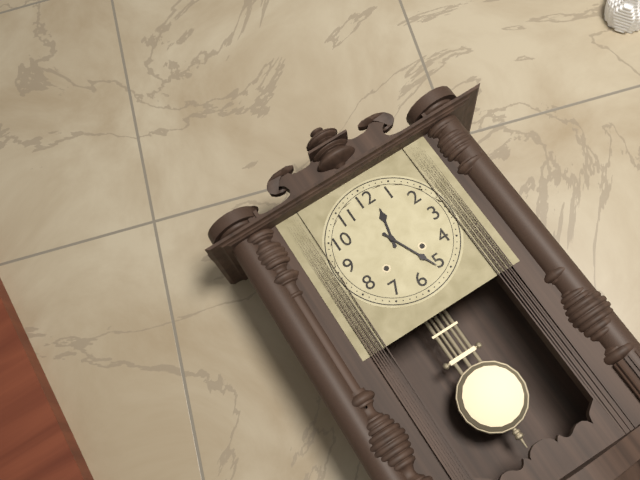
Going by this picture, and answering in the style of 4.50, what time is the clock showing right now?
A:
12.26
